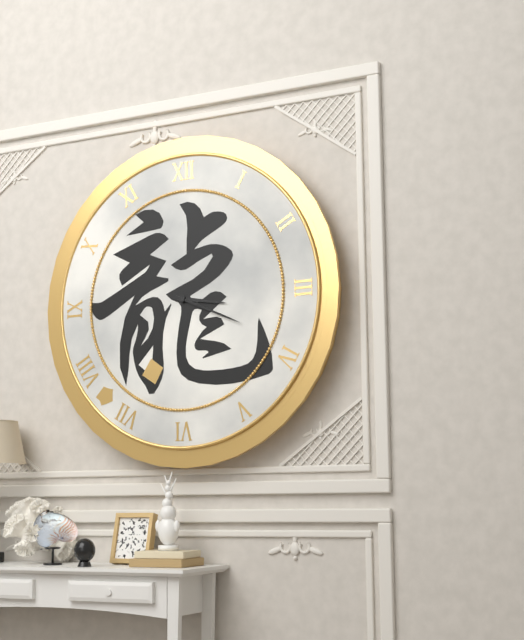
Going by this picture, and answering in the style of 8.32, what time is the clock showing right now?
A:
3.19
